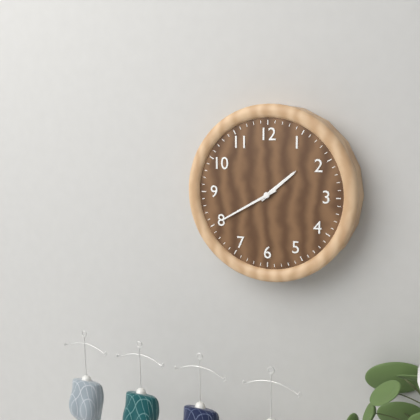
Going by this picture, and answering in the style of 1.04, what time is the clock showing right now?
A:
1.40
